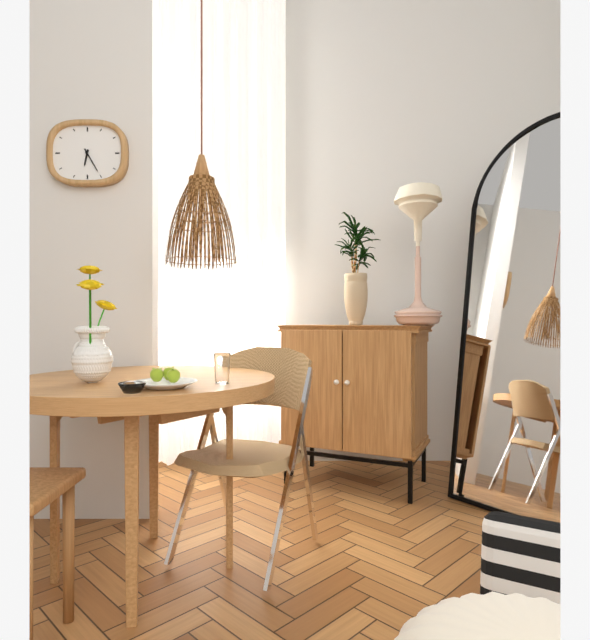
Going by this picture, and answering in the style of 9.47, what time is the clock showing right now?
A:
6.25
